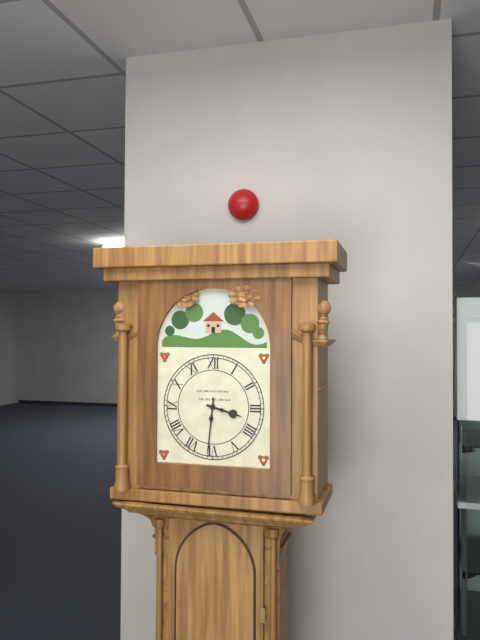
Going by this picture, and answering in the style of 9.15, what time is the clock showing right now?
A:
3.31
